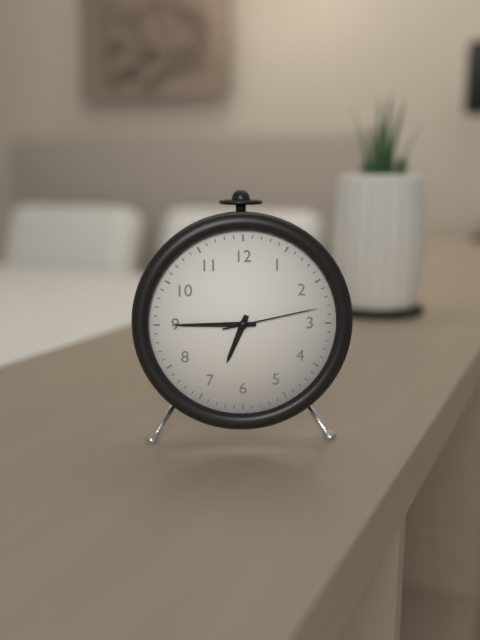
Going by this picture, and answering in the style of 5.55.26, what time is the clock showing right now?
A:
6.45.13
